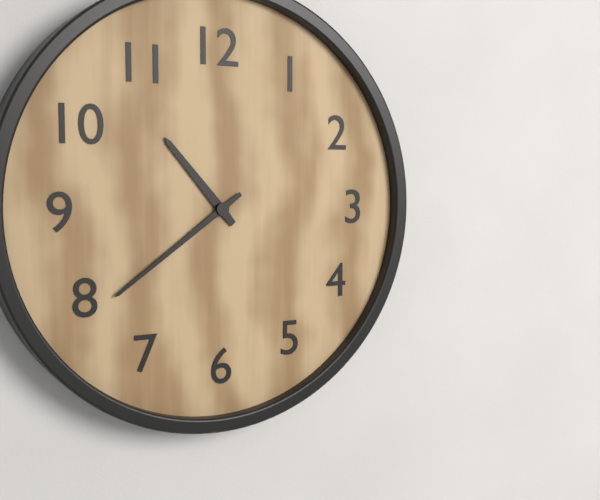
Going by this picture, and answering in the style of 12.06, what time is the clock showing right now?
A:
10.39
